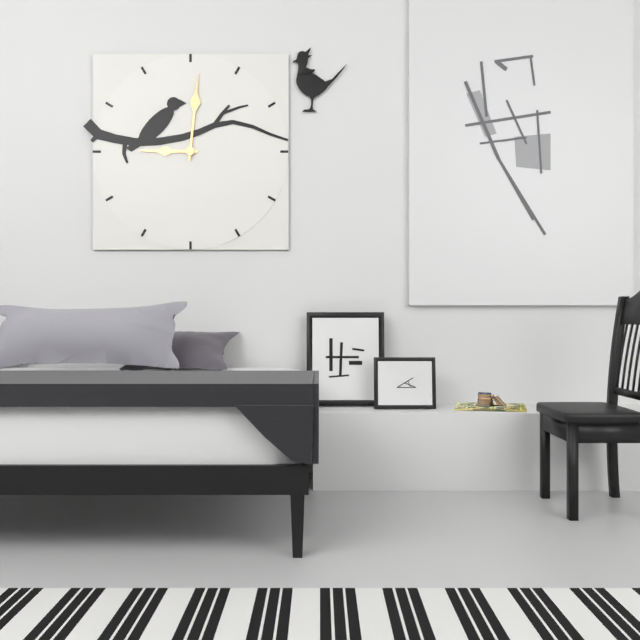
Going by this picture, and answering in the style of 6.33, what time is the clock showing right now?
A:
9.01
